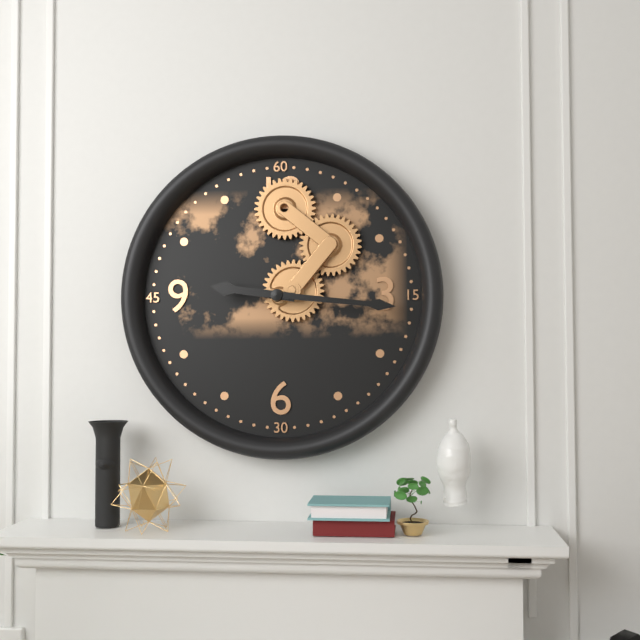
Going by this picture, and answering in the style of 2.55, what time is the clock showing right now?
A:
9.16
